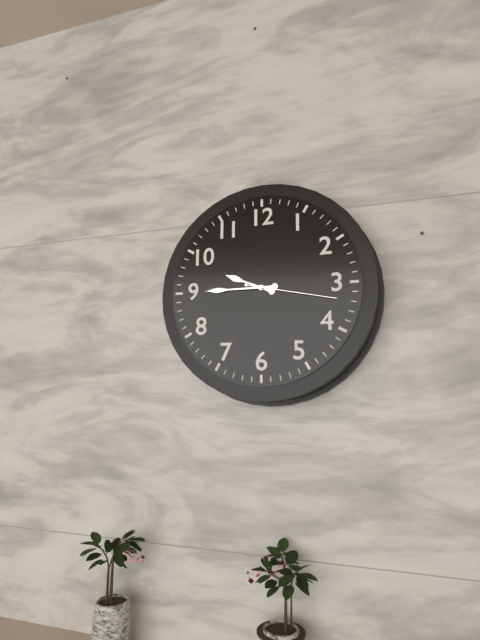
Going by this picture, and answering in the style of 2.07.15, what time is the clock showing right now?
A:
9.45.17
